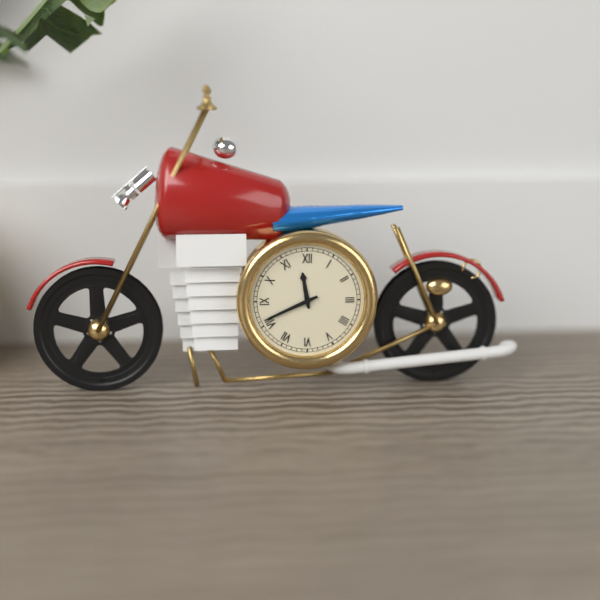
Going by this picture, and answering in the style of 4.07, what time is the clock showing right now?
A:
11.41
